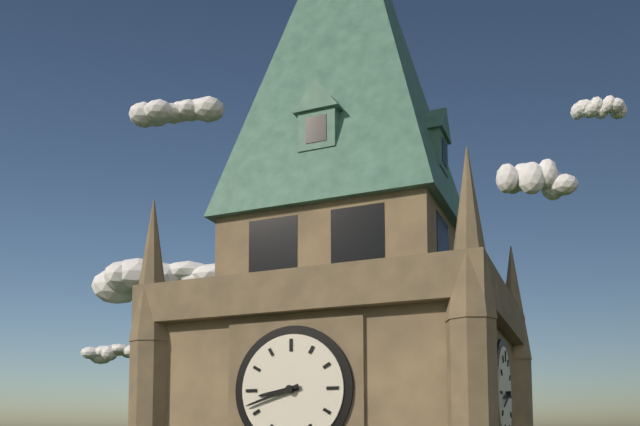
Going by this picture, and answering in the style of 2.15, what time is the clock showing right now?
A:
8.42
